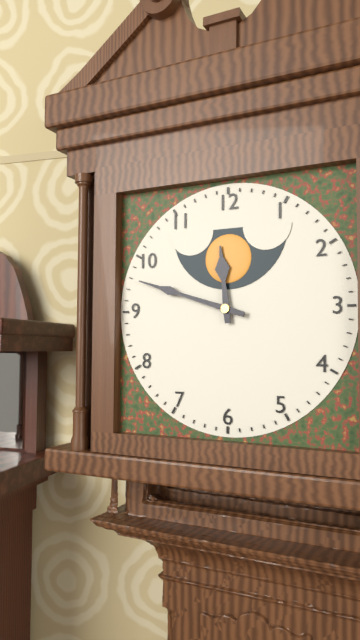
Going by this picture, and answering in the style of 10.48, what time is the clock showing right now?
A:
11.48
